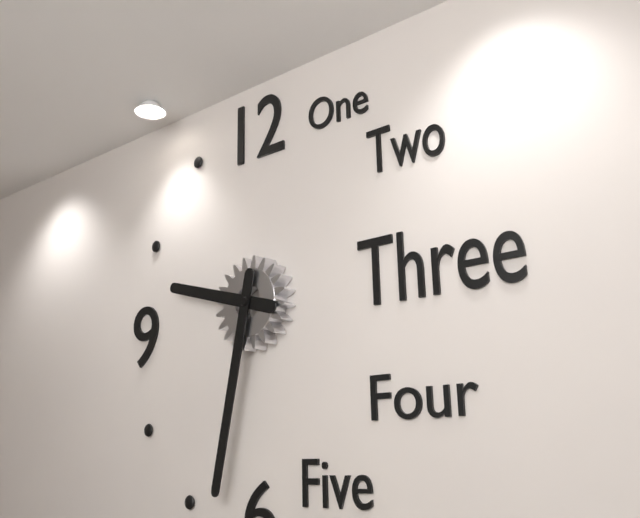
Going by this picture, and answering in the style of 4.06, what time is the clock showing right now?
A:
9.32
